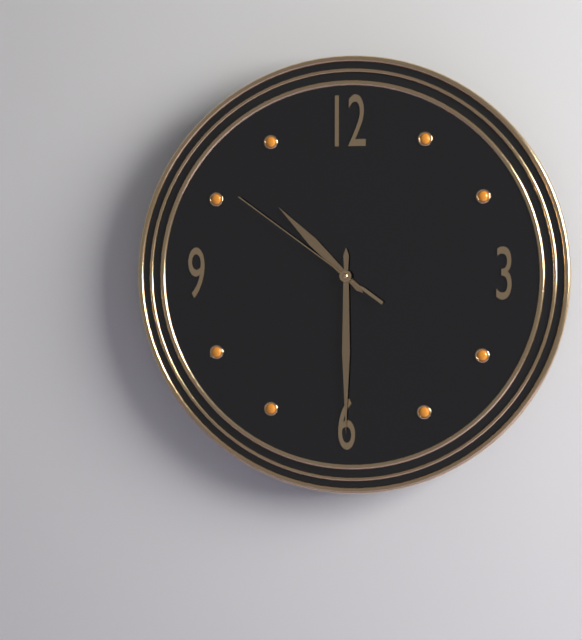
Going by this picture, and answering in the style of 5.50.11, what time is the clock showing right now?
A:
10.30.51
